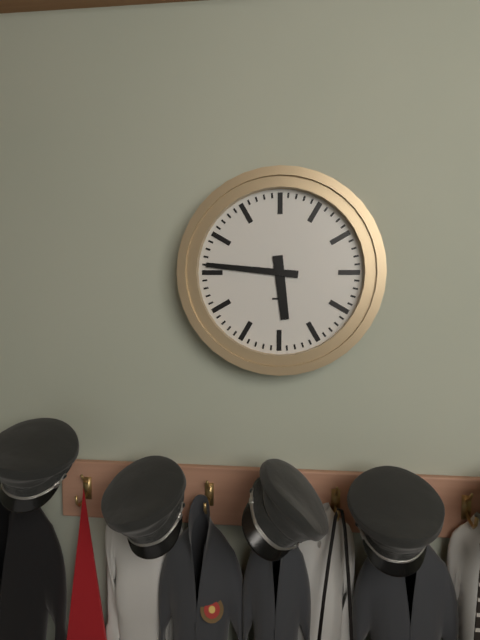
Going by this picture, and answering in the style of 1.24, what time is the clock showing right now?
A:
5.46
